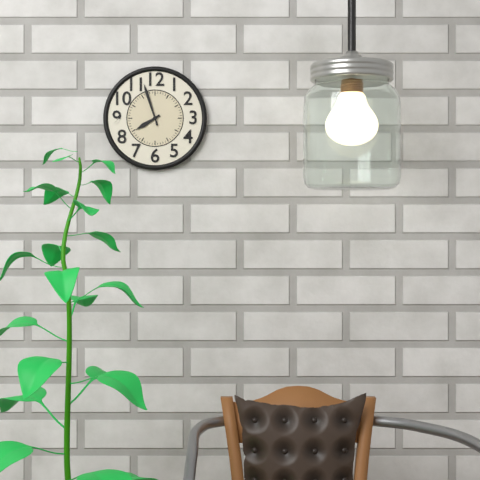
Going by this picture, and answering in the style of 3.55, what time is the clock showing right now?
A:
7.57
